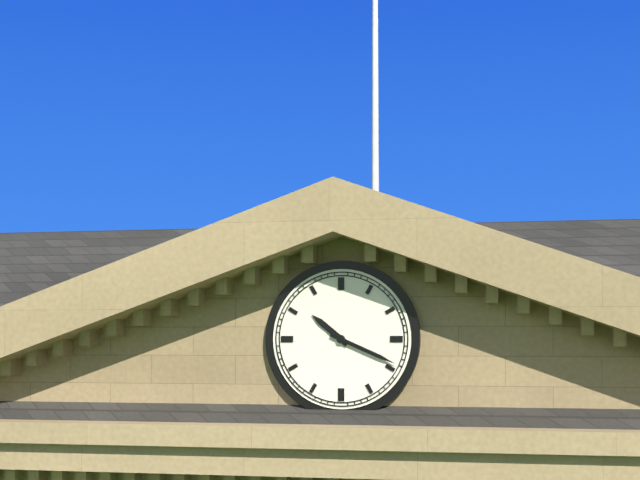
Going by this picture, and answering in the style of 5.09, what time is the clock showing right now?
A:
10.19
